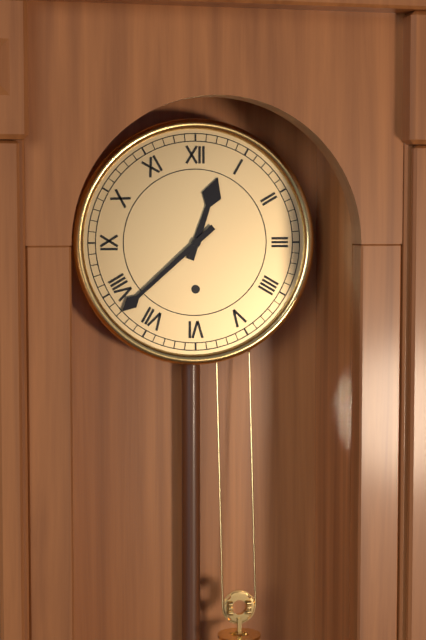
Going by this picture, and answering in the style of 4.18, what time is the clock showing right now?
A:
12.38
